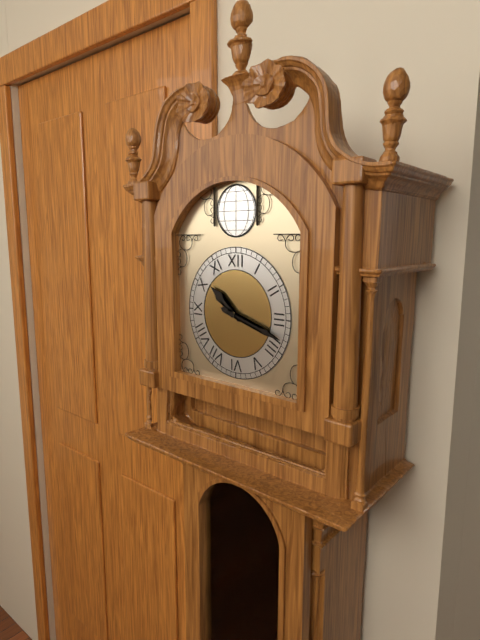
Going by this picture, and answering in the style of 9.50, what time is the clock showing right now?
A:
10.18
